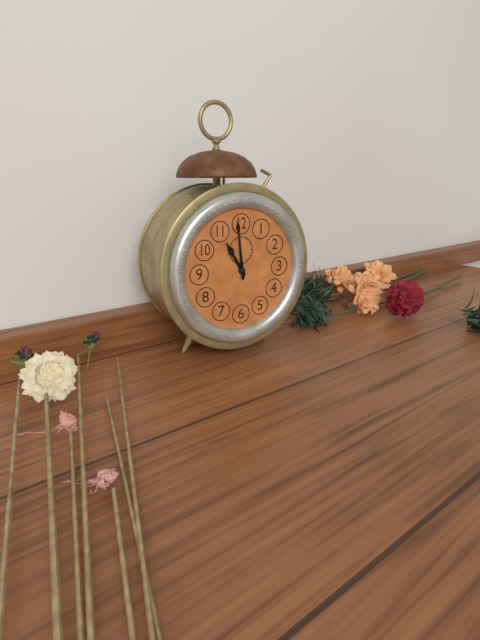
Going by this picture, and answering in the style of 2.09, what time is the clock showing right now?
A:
10.59
